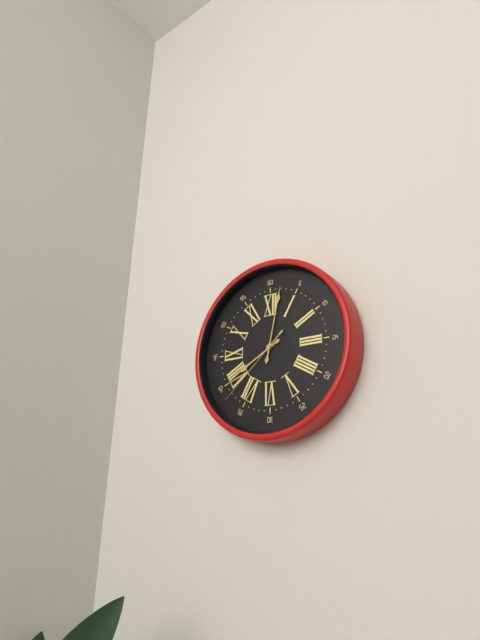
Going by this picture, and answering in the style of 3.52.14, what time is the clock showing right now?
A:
8.02.38
